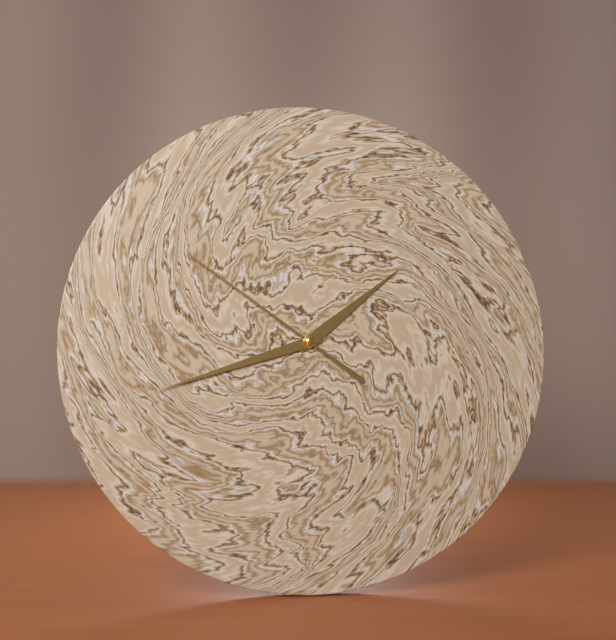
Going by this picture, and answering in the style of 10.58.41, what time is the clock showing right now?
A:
1.42.51
